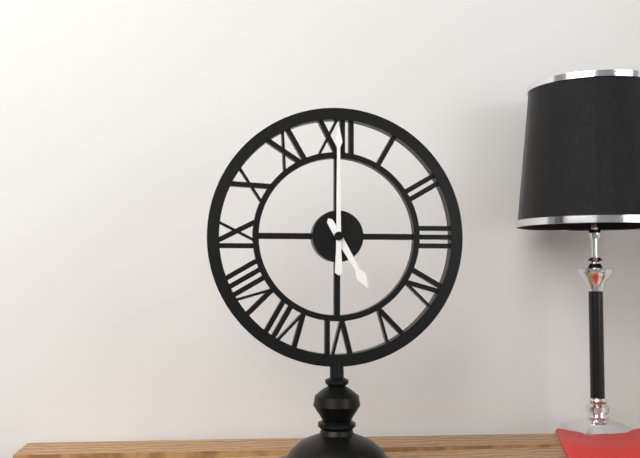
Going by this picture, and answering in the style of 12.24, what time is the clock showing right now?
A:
5.00
